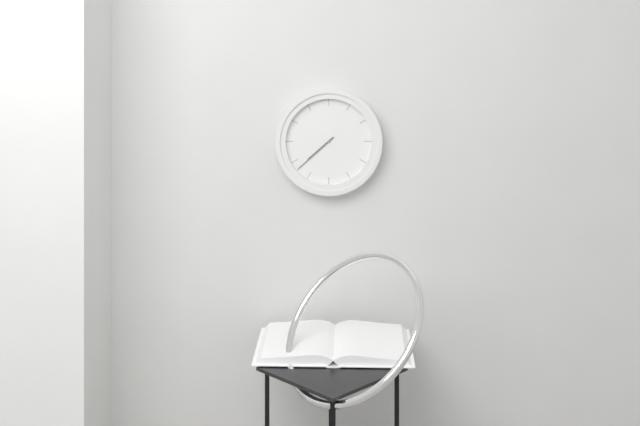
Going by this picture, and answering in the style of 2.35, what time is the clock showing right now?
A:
7.38
